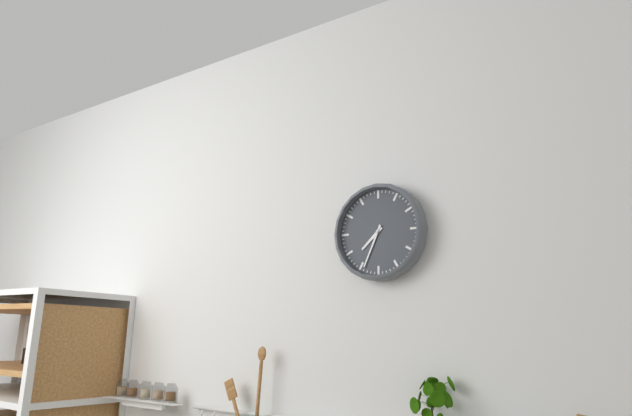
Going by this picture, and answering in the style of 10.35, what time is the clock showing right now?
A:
7.34
